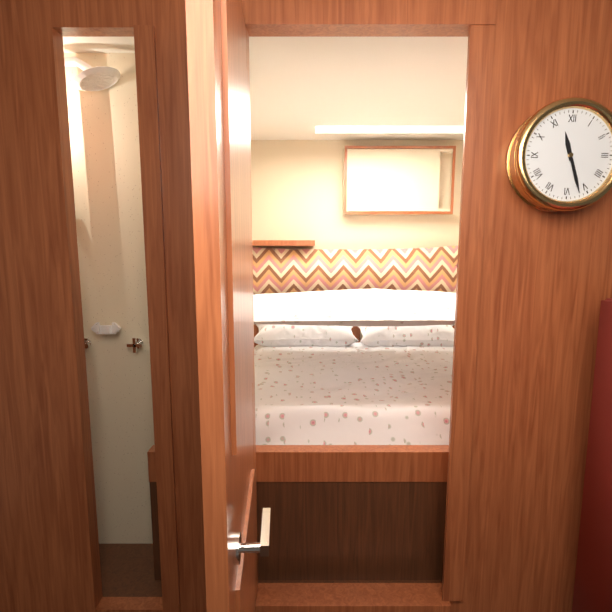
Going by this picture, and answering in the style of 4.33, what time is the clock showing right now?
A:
11.27
